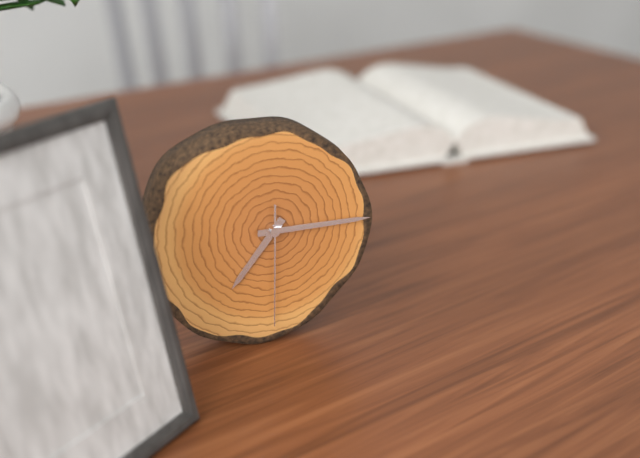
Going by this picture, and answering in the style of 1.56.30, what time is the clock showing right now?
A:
7.15.30
